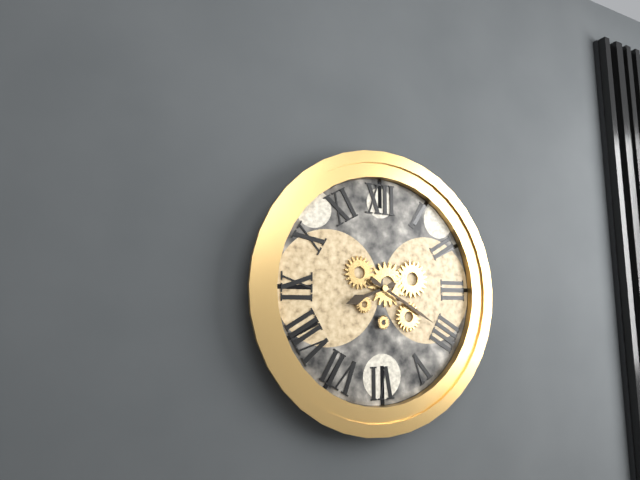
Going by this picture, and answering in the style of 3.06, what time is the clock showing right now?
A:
8.20
